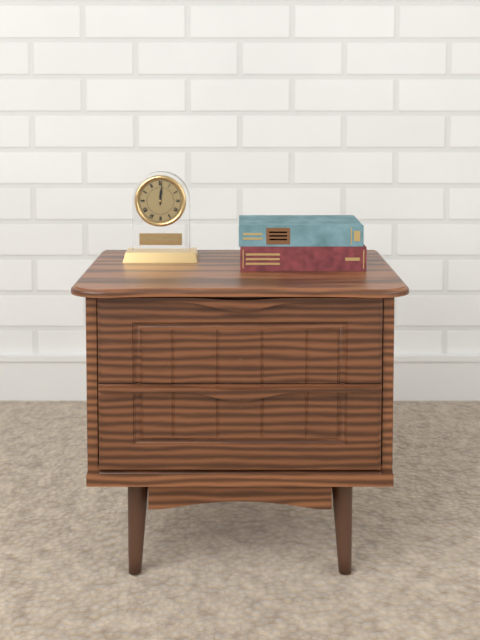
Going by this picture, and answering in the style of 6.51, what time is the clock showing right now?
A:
12.01
